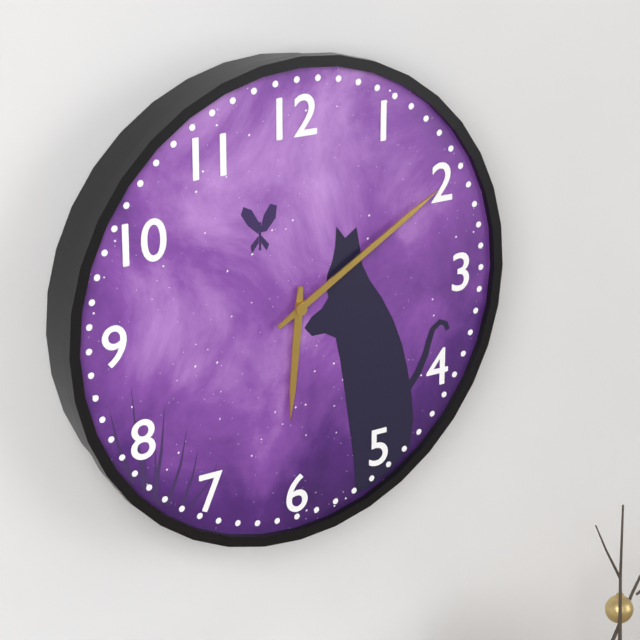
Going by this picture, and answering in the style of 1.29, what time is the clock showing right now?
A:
6.10
